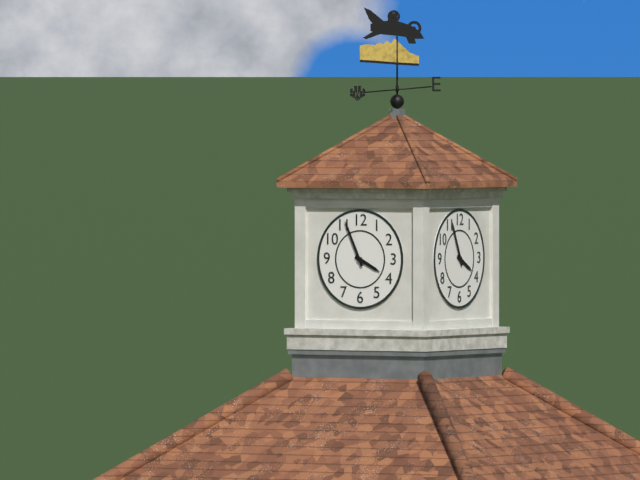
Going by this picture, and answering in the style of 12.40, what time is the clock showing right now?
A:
3.56
